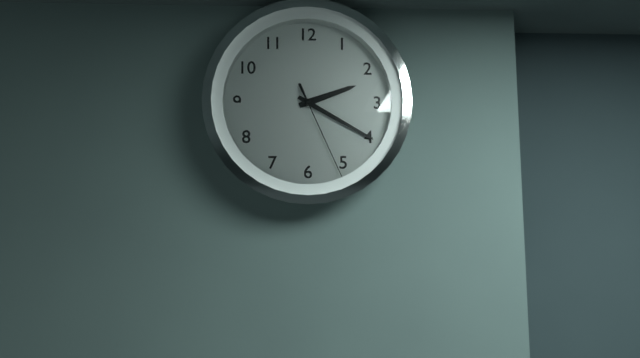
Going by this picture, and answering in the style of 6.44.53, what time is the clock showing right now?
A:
2.20.26
